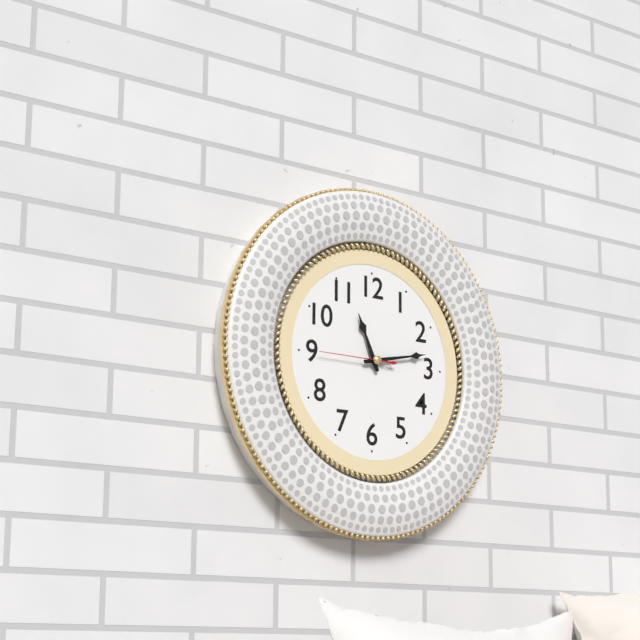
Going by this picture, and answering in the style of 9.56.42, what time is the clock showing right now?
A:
11.13.45
